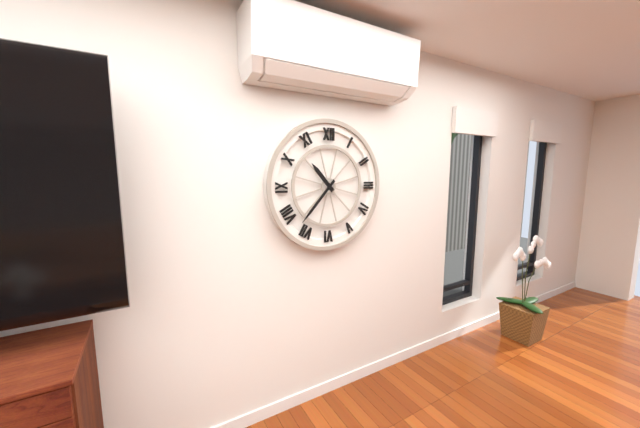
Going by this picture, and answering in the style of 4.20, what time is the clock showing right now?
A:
10.37
